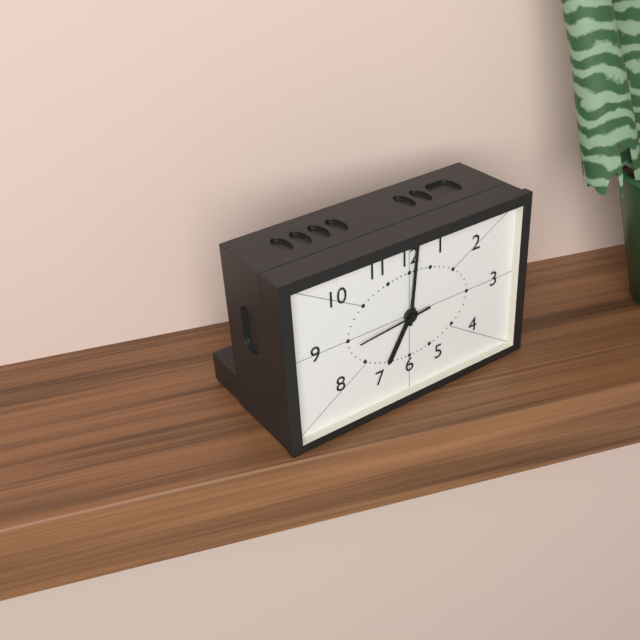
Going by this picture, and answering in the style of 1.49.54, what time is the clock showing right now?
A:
7.01.44
